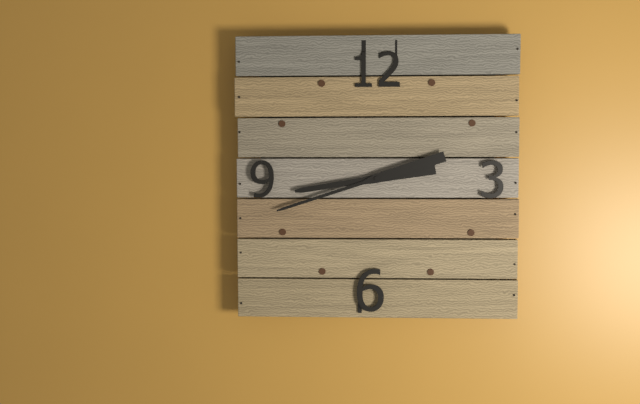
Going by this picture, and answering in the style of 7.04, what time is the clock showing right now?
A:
8.42
